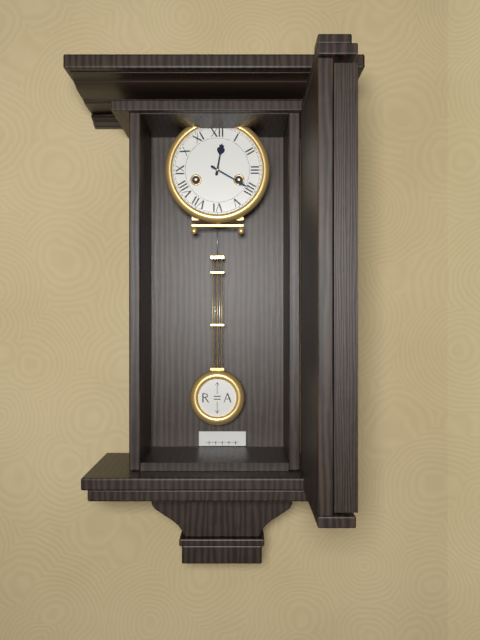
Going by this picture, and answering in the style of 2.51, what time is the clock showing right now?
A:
12.20
